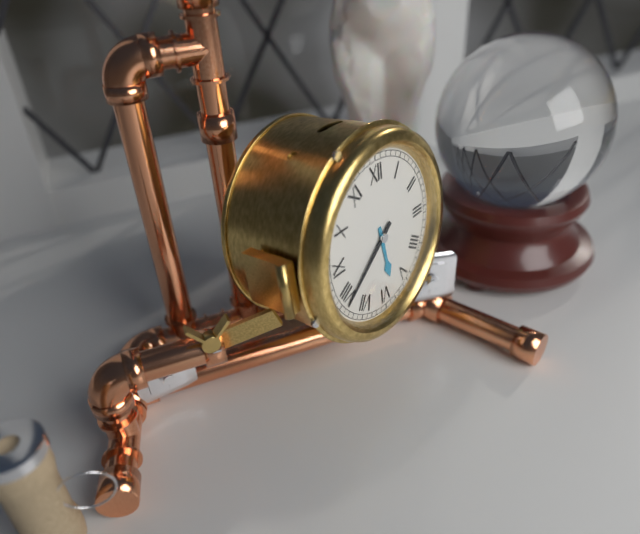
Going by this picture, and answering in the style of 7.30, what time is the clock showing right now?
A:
5.39
